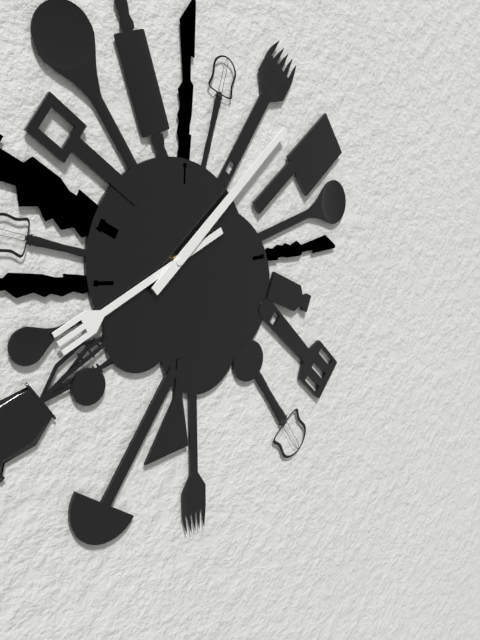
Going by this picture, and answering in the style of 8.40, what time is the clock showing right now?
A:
8.08
